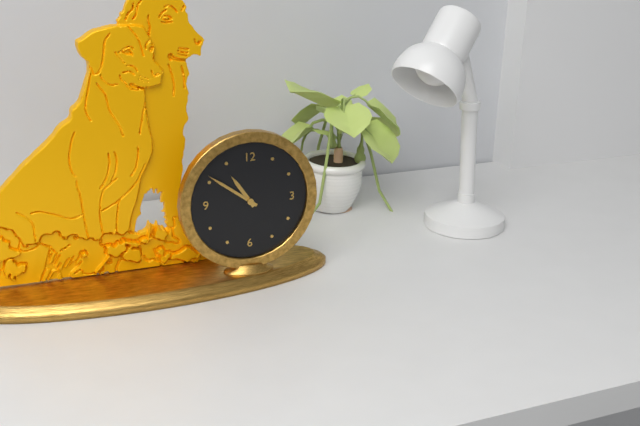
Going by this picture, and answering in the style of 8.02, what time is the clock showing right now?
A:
10.51
